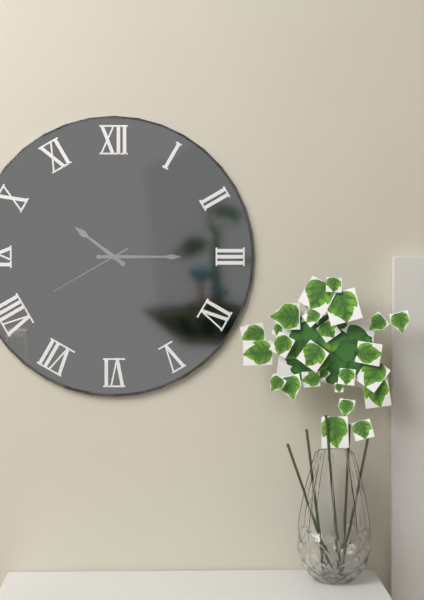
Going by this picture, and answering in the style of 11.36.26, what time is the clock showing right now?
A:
10.15.40
